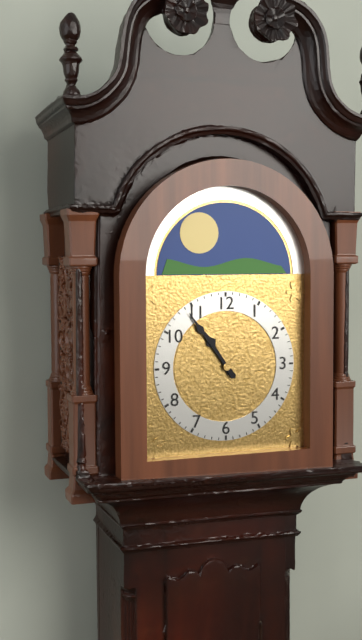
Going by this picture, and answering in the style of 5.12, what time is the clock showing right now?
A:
10.54
